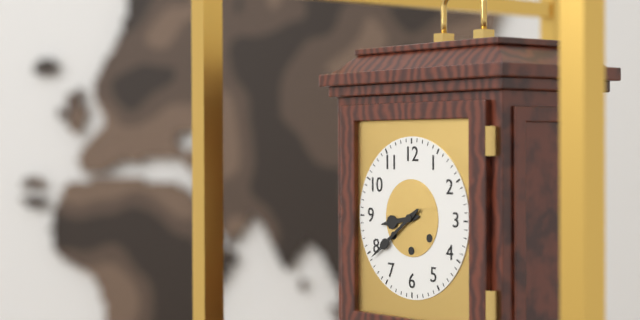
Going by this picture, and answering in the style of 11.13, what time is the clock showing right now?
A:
8.39
